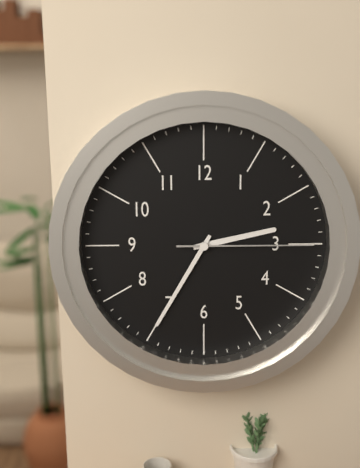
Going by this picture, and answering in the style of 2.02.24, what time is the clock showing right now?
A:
2.35.15
